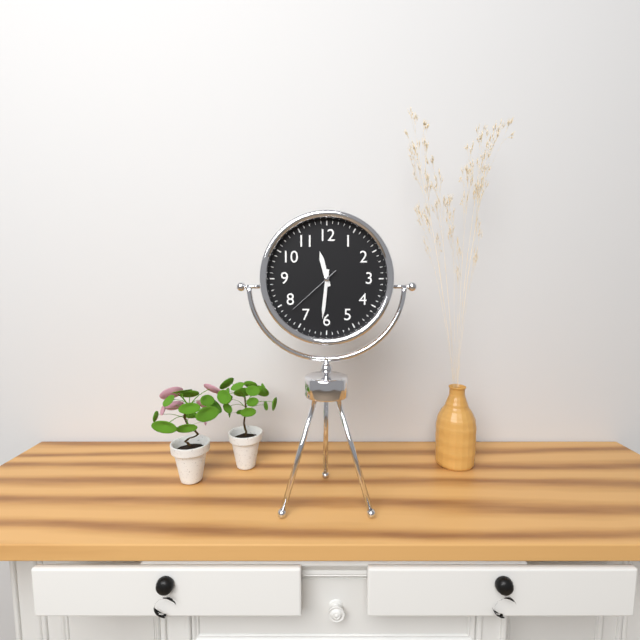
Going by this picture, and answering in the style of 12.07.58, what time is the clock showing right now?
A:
11.31.38
